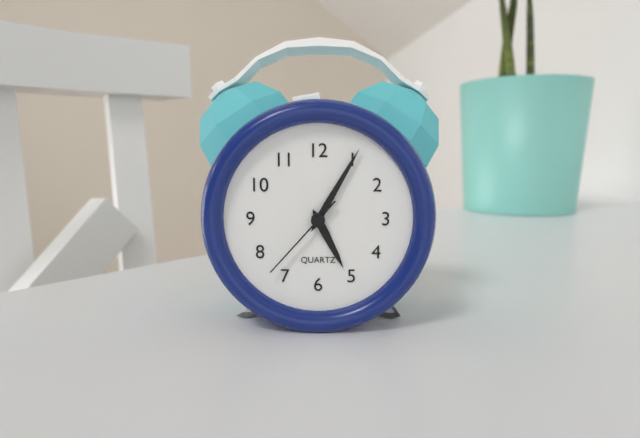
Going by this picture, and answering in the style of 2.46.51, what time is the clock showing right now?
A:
5.05.37
